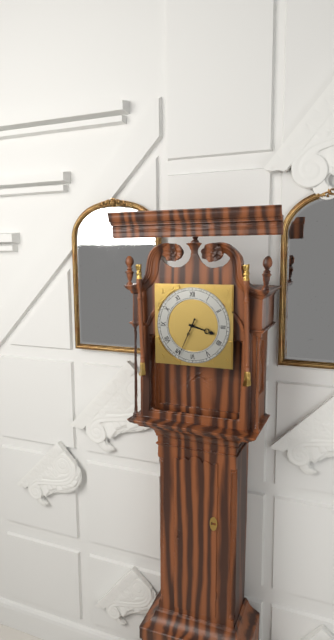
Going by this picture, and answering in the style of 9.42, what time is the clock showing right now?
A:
3.34
